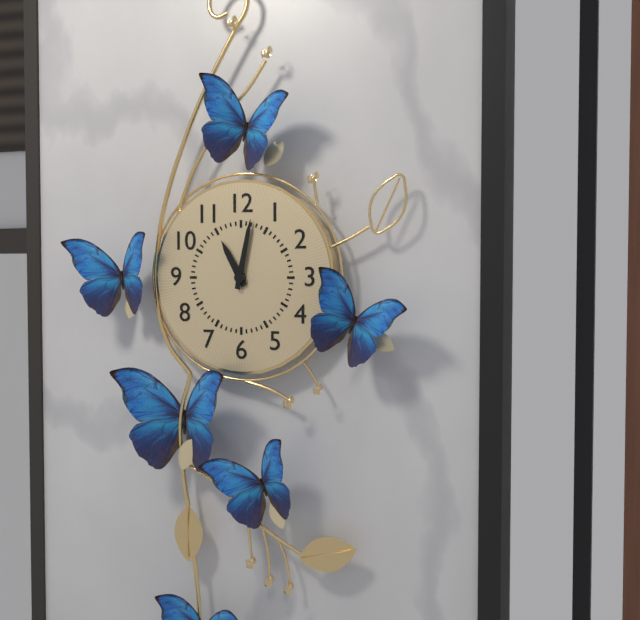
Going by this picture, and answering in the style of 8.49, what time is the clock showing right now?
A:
11.02
